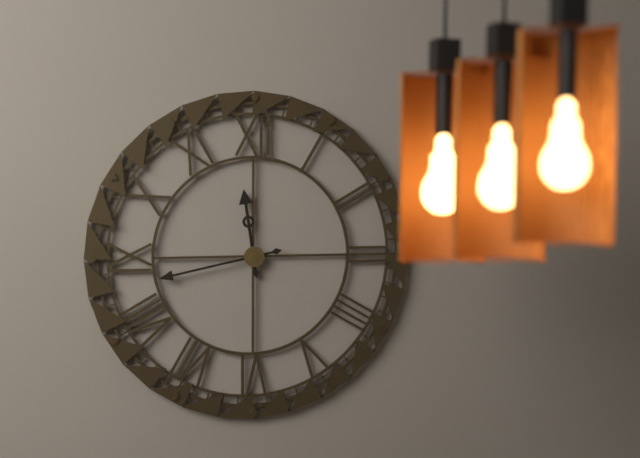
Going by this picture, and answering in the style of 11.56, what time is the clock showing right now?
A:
11.43
